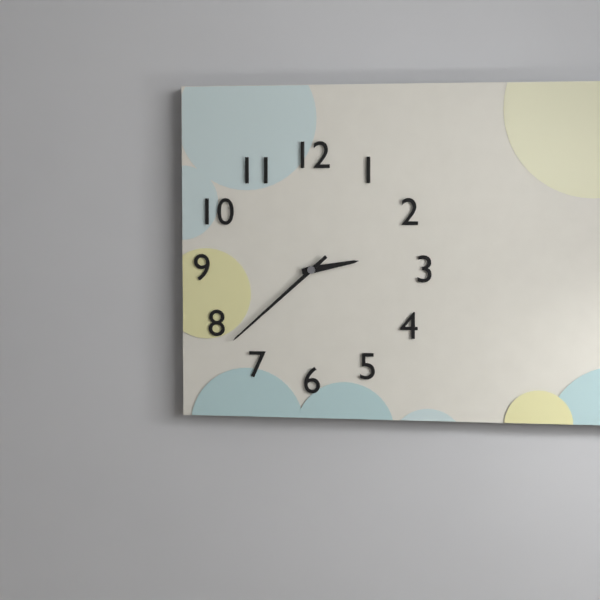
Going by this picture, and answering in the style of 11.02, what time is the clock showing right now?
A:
2.38
